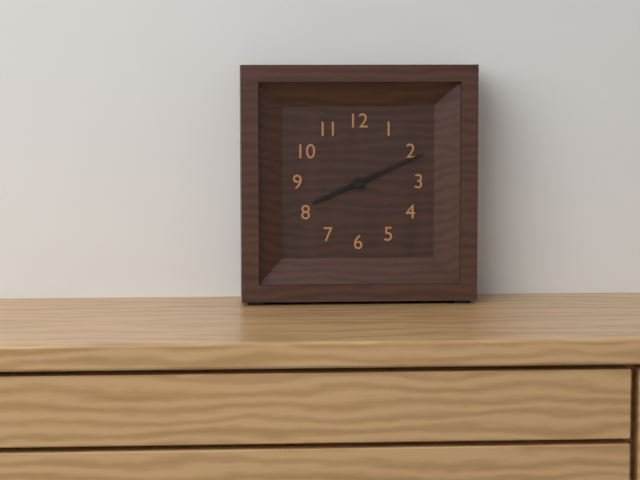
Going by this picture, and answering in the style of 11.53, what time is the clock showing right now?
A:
8.11
